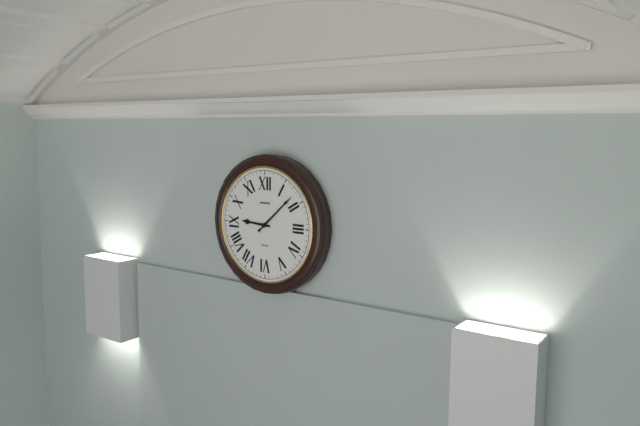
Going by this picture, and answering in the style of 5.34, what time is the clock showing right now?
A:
9.08
